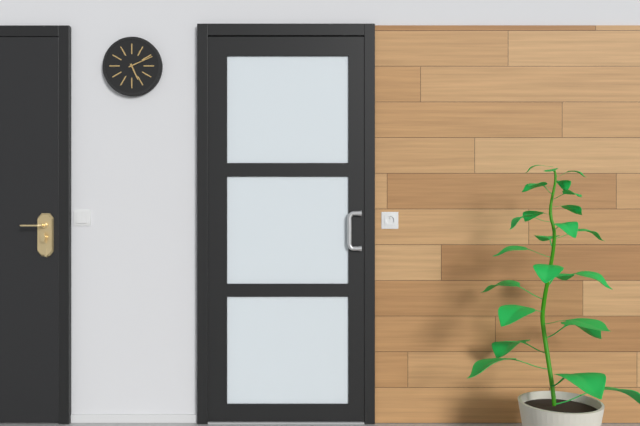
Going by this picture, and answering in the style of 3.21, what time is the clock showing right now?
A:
5.11
